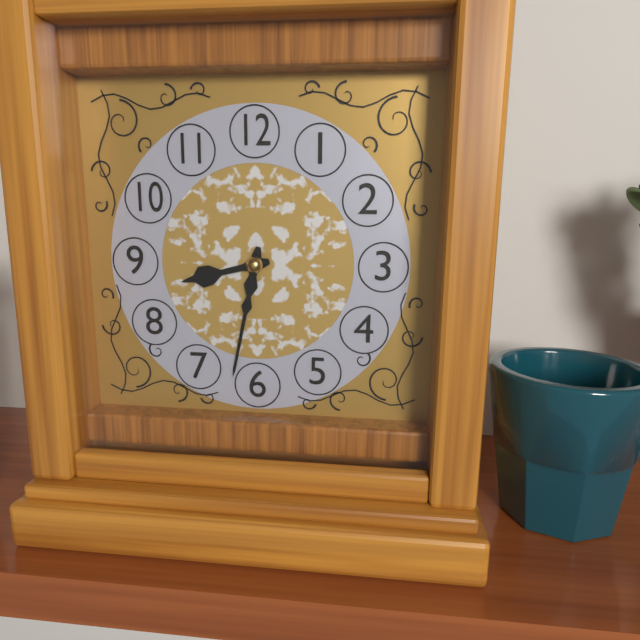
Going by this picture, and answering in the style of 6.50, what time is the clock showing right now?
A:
8.32
